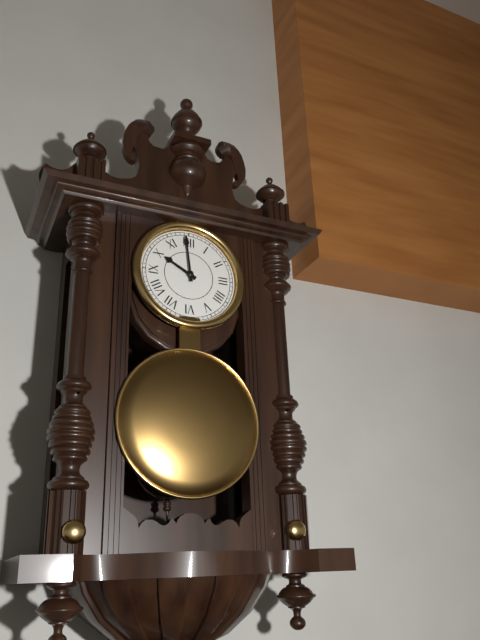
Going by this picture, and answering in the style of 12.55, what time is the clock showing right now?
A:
9.59
